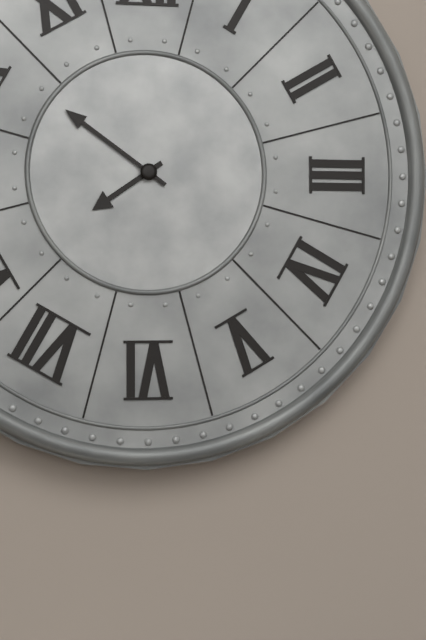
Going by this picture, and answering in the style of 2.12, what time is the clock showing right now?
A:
7.51
